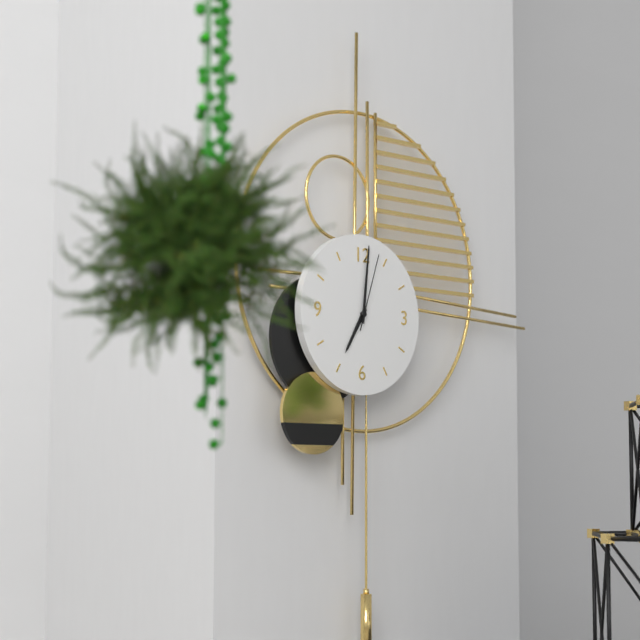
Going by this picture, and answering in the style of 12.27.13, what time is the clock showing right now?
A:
7.01.03
